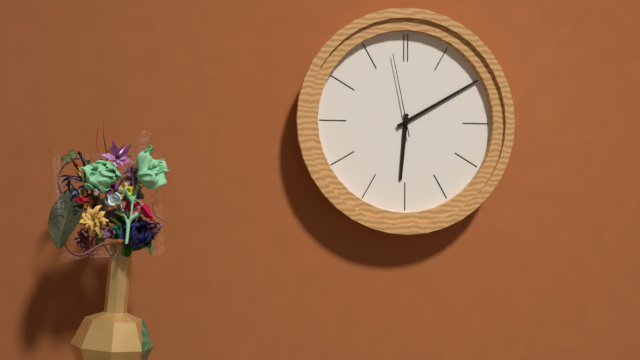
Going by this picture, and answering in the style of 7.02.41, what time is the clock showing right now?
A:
6.10.58
